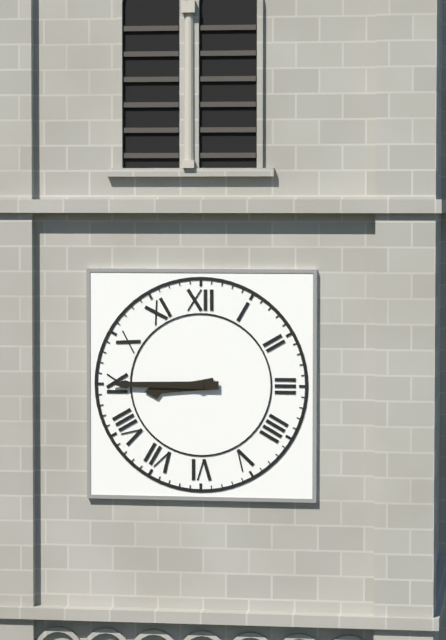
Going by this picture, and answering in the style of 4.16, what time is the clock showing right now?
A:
8.45
